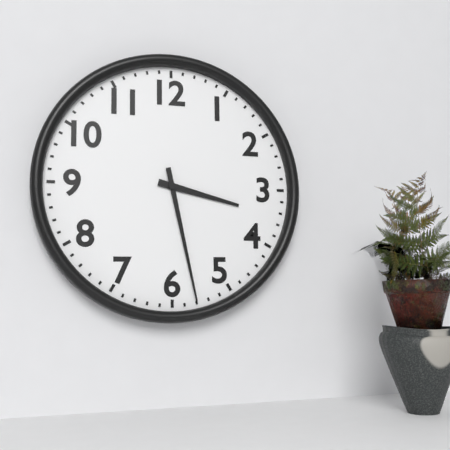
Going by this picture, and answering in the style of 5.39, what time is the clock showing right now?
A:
3.28
